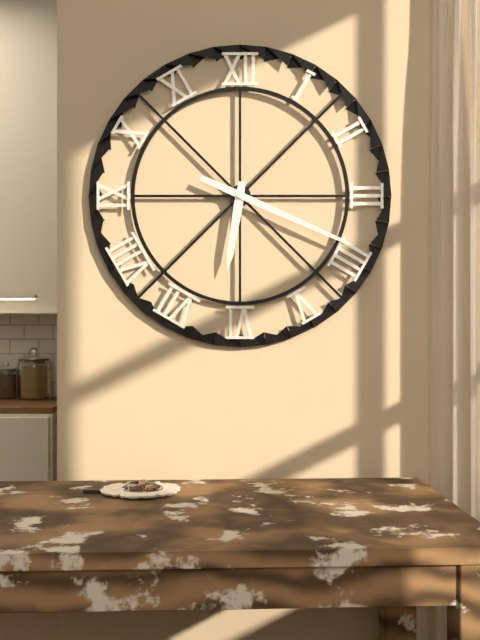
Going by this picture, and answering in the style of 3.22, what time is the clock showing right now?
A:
6.19
